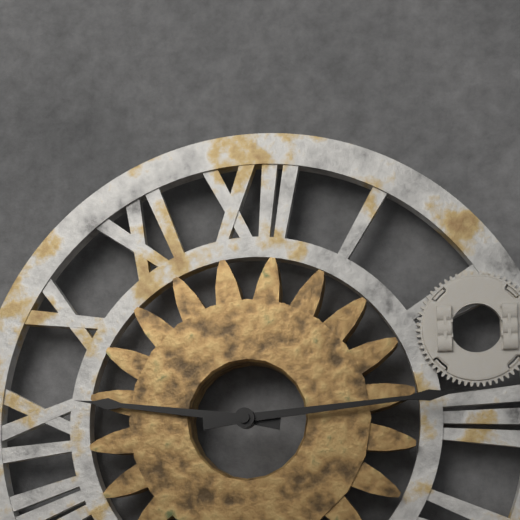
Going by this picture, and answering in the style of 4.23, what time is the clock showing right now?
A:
9.14
